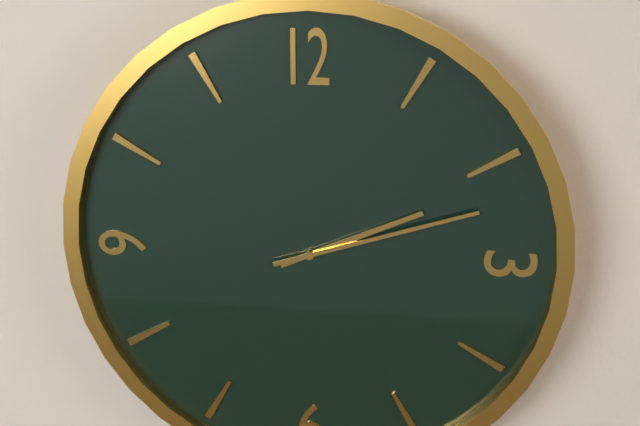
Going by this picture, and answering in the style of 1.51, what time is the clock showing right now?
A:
2.12
